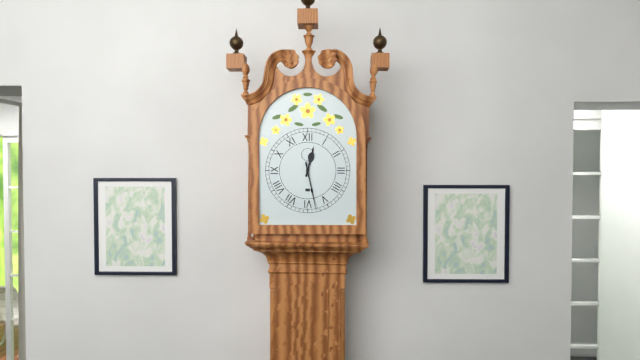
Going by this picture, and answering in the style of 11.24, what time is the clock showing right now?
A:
12.28
